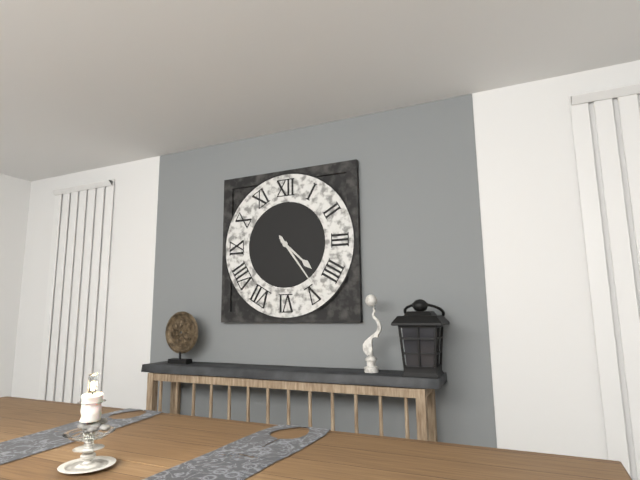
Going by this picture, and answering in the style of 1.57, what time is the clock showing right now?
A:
4.24
